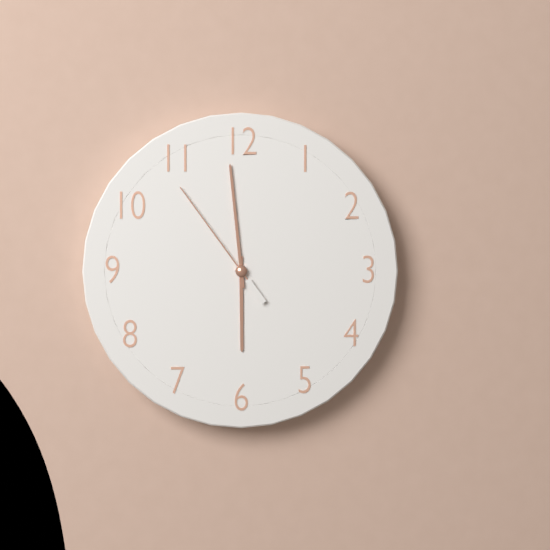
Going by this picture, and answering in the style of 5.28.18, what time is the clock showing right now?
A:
5.59.54
